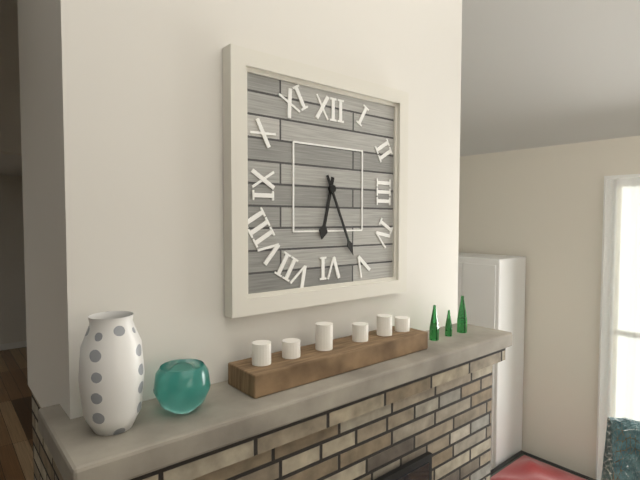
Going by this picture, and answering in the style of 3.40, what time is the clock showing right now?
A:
6.26
